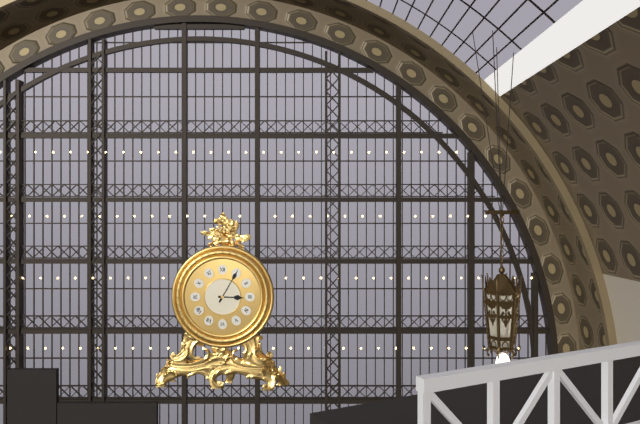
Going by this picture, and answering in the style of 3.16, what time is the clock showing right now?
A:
3.05
